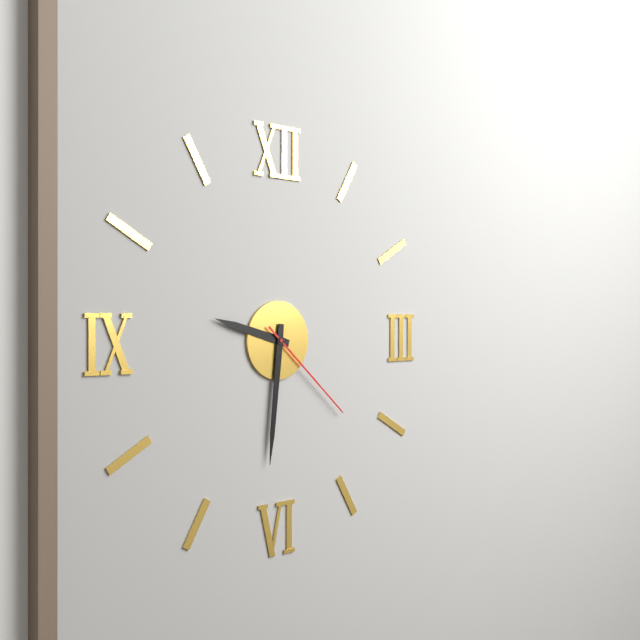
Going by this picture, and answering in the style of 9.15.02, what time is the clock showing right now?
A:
9.31.22
